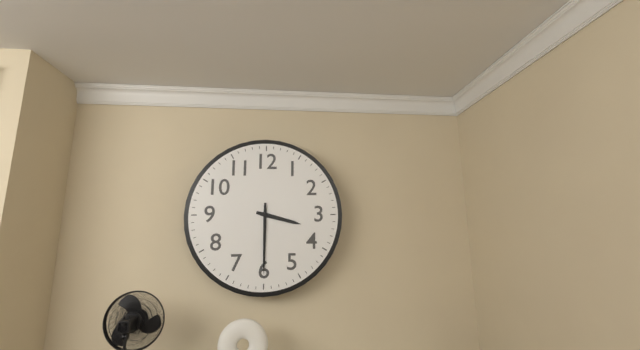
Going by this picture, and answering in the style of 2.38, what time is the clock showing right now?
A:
3.30
